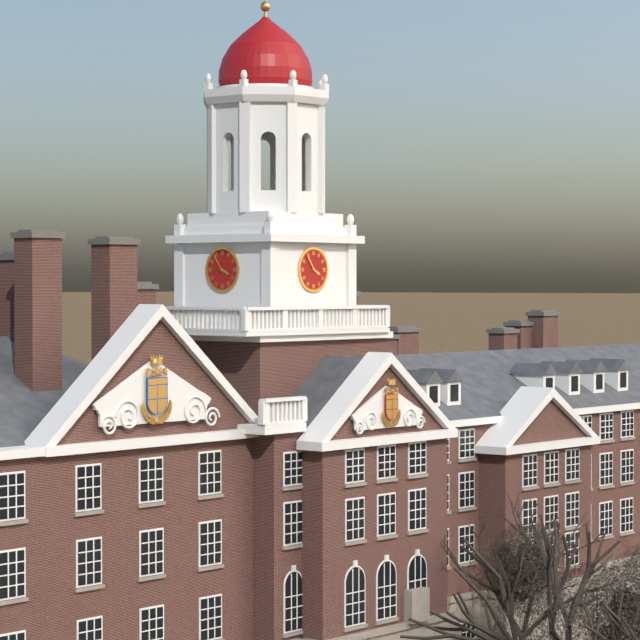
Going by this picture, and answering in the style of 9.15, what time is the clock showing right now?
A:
3.54
